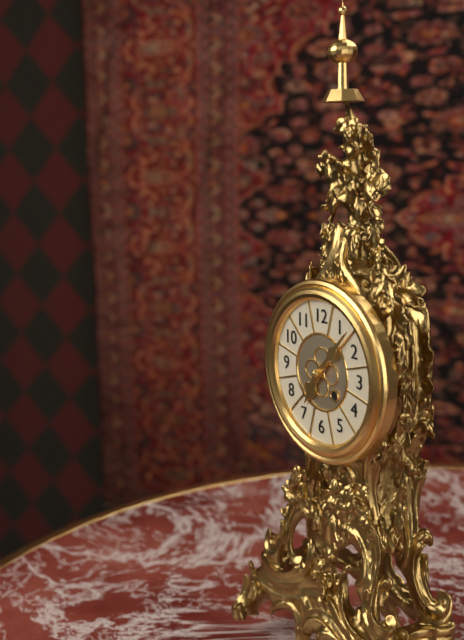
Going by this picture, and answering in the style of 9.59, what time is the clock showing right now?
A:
7.07
